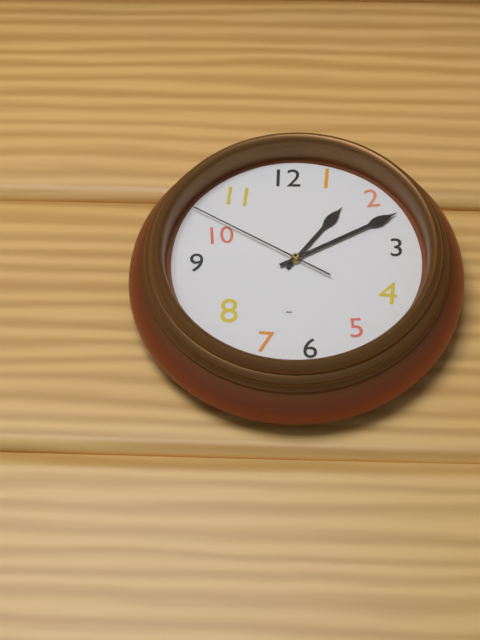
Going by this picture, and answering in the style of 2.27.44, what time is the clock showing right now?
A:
1.10.50
